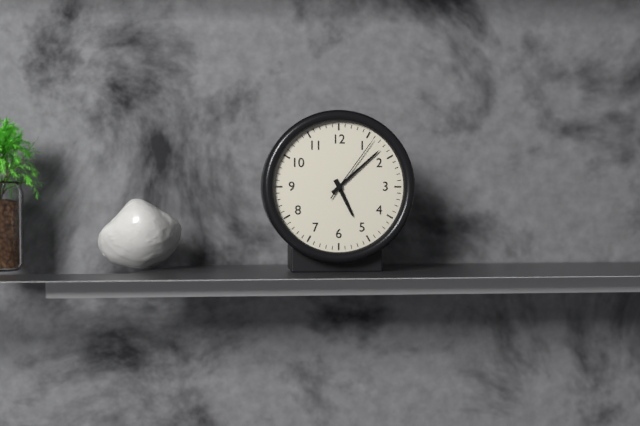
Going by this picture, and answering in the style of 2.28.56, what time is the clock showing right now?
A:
5.08.06
